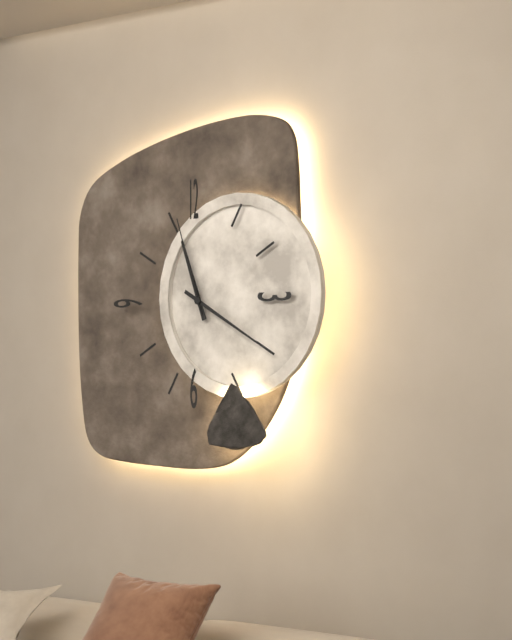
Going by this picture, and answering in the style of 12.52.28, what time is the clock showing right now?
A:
11.20.57
